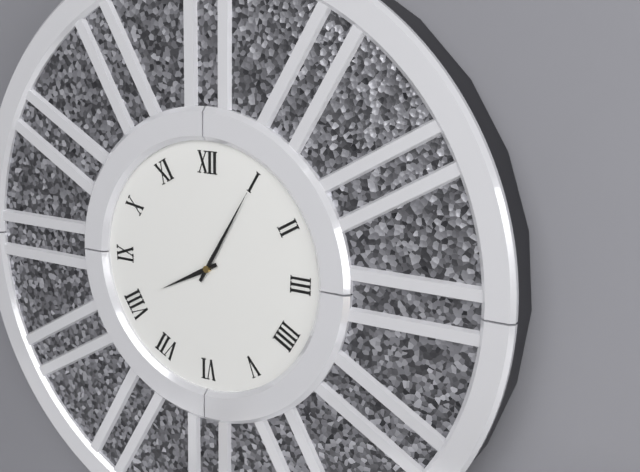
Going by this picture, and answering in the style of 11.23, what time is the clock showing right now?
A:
8.05
